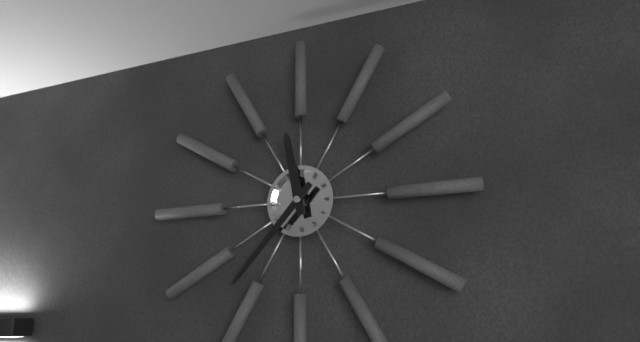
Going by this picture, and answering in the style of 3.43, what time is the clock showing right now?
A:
11.37
